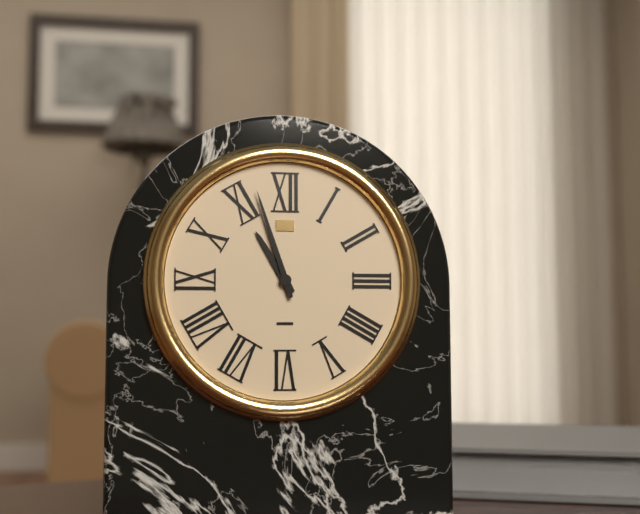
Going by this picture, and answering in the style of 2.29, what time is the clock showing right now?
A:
10.57
